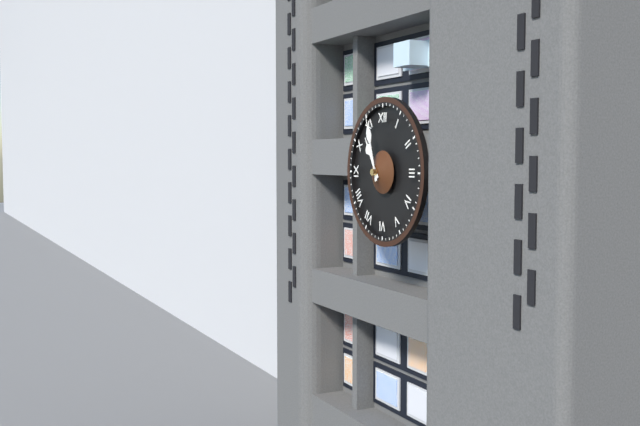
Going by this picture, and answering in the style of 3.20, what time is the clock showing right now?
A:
10.57
